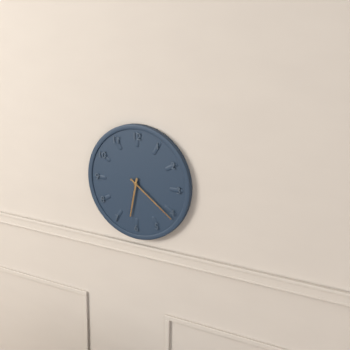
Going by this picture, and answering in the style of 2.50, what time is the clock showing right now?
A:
6.21
